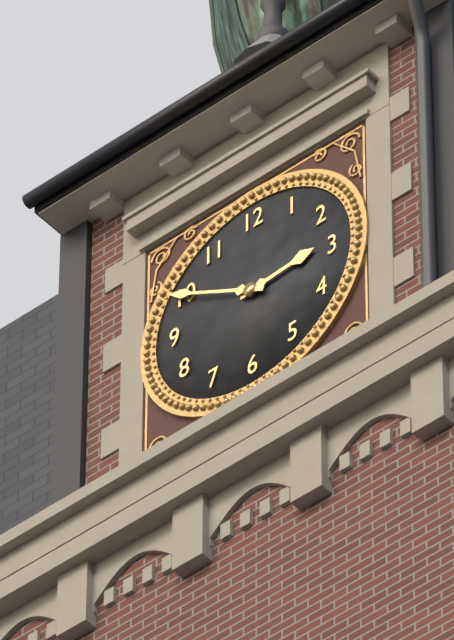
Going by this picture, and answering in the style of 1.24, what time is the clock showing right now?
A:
2.50
